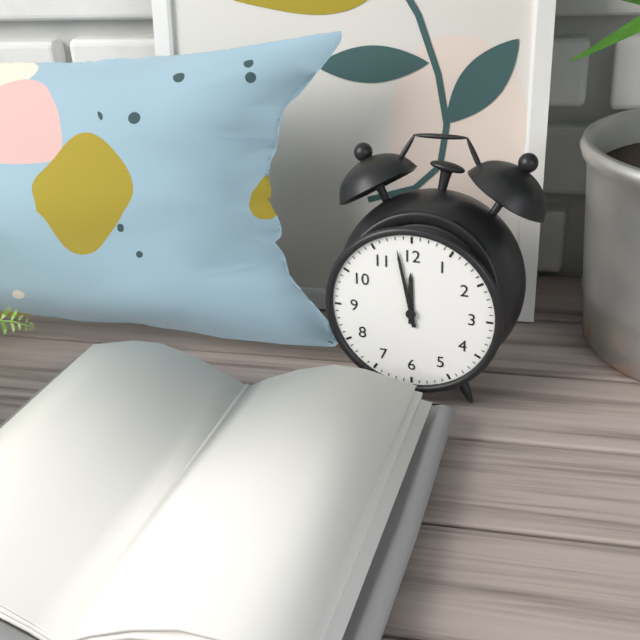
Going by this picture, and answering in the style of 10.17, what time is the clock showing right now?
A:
11.58
